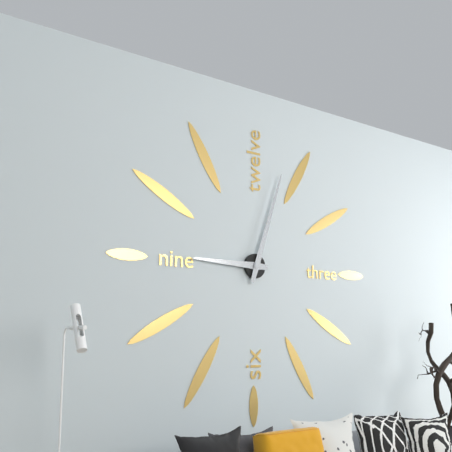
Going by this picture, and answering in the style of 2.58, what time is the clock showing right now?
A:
9.03
